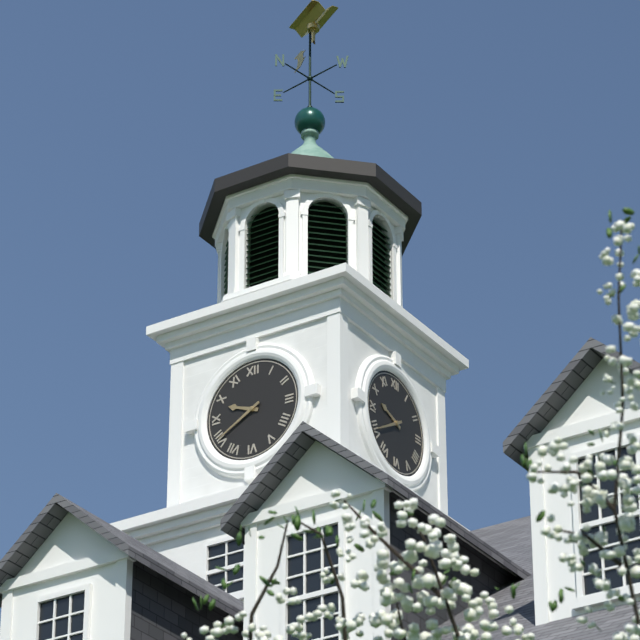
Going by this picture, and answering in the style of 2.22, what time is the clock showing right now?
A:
9.40
